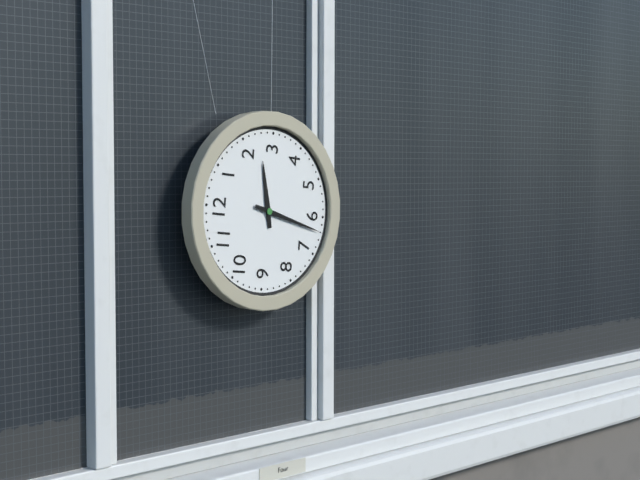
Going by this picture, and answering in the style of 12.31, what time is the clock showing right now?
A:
2.32
